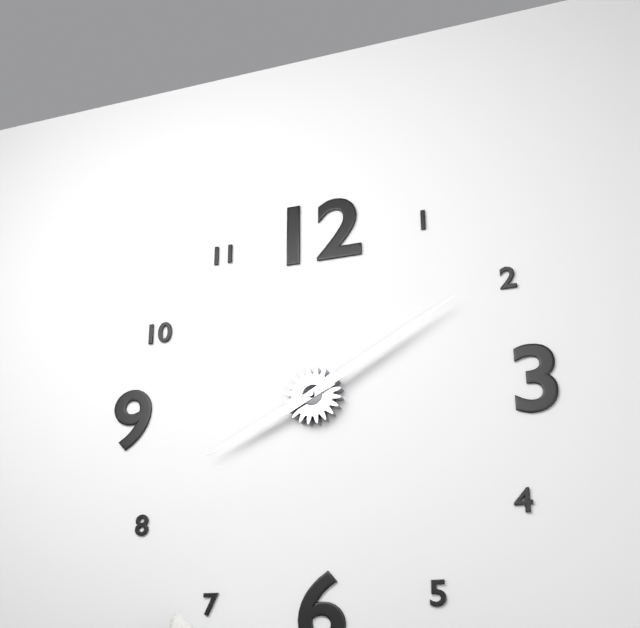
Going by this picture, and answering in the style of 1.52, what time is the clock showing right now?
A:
8.10
